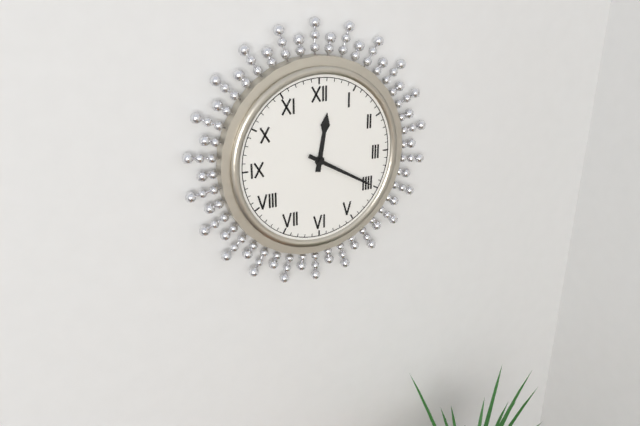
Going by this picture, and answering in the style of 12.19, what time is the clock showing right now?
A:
12.20
